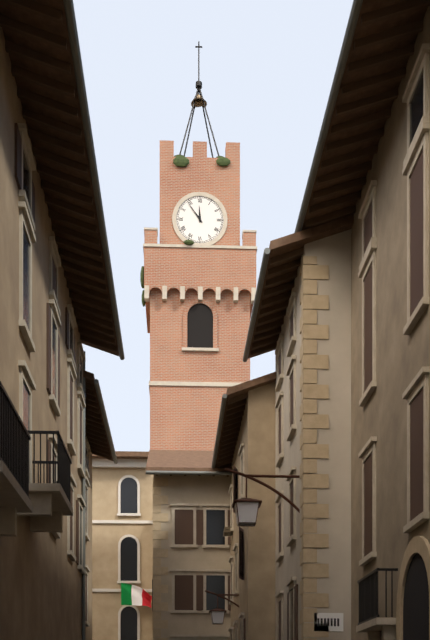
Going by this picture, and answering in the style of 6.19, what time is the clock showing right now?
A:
11.54
